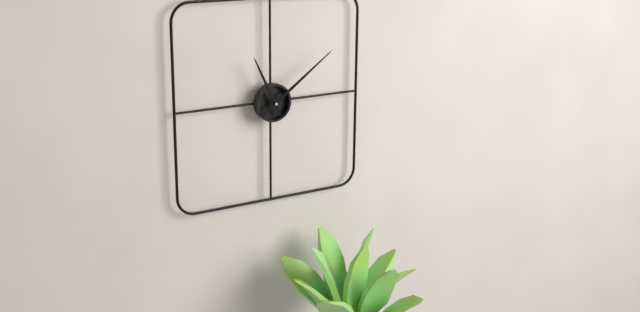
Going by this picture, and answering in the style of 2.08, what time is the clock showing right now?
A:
11.09
